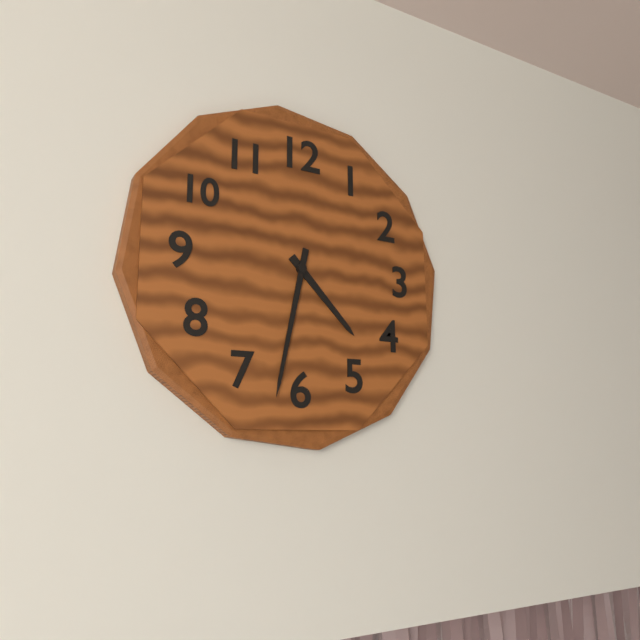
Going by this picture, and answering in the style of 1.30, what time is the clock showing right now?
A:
4.32
